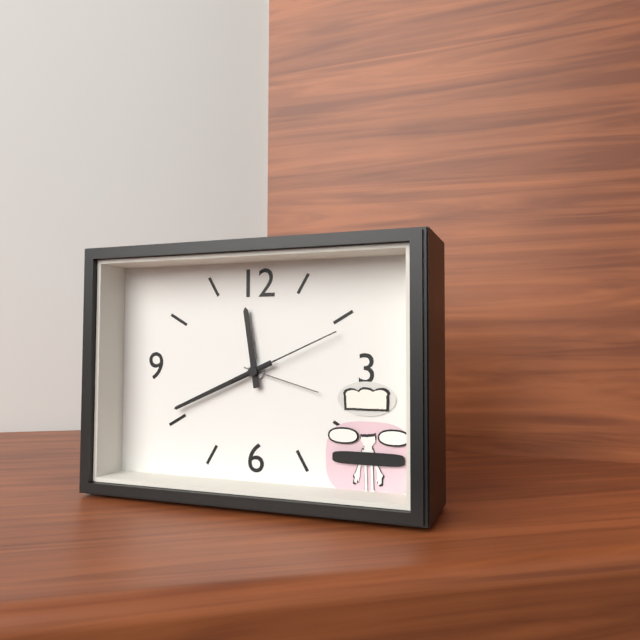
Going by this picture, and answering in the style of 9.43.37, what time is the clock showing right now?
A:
11.41.11
